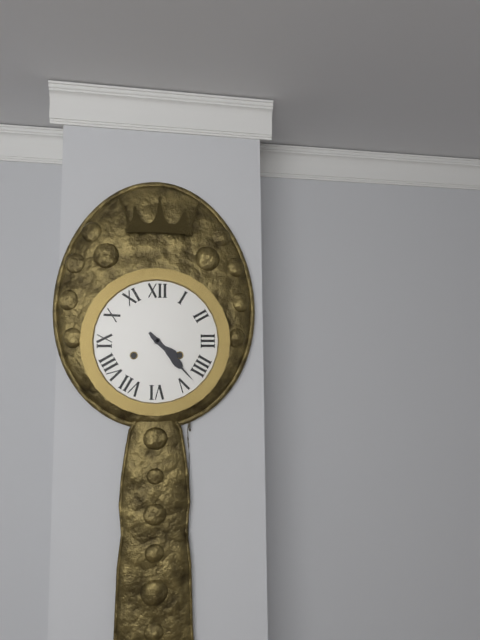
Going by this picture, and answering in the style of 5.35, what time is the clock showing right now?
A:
4.23
